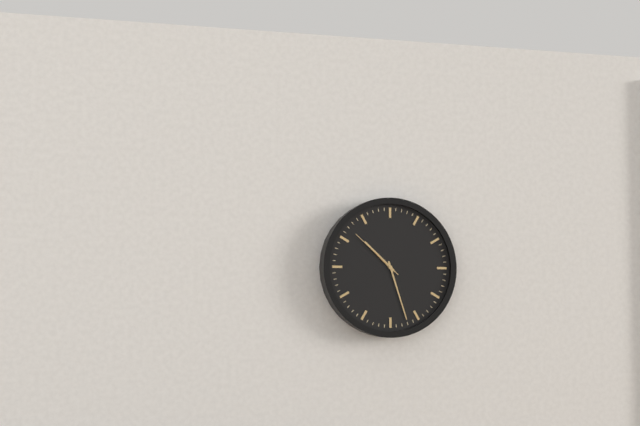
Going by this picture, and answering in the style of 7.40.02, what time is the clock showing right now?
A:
10.27.52
